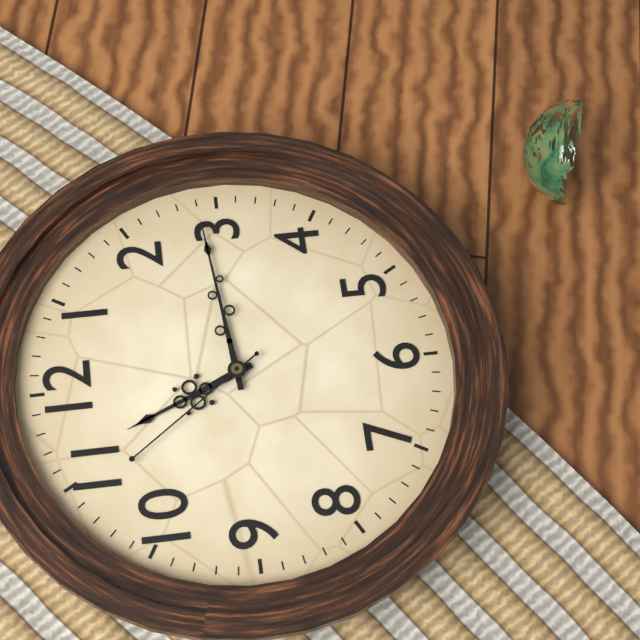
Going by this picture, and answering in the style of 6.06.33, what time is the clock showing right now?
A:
11.14.54
